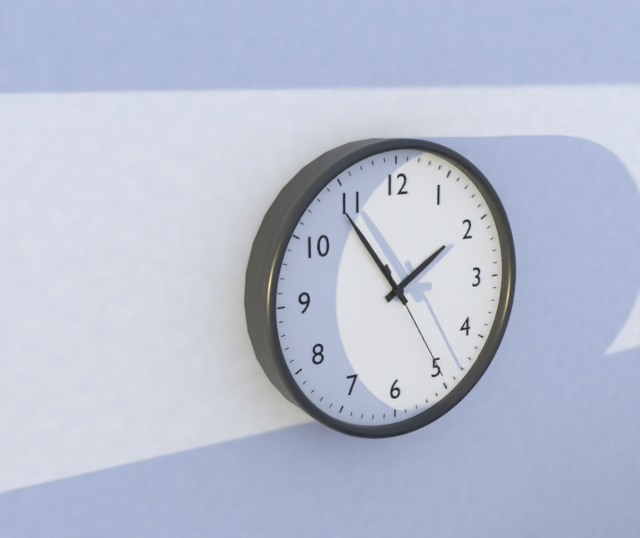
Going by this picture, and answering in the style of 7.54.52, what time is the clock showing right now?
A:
1.54.25
